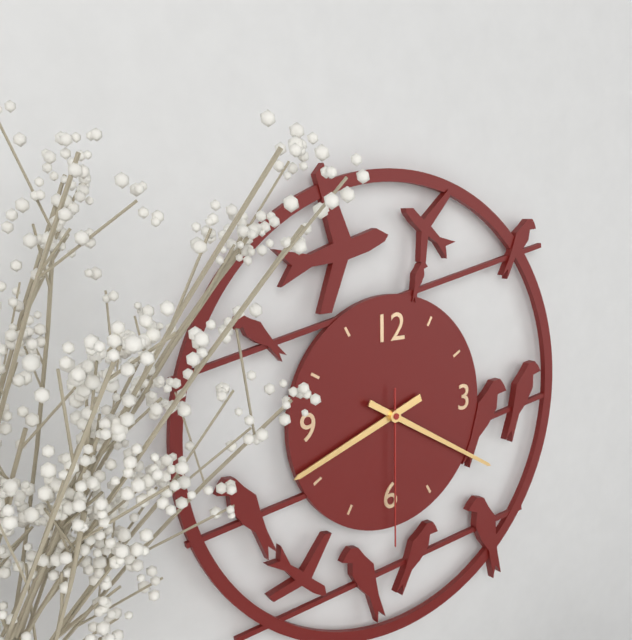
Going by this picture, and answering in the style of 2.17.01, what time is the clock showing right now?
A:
8.20.30
